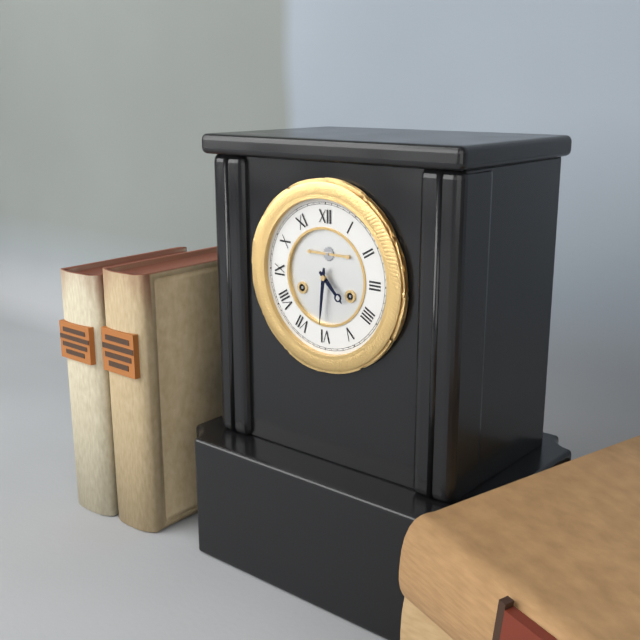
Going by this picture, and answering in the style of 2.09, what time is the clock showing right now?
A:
4.31
